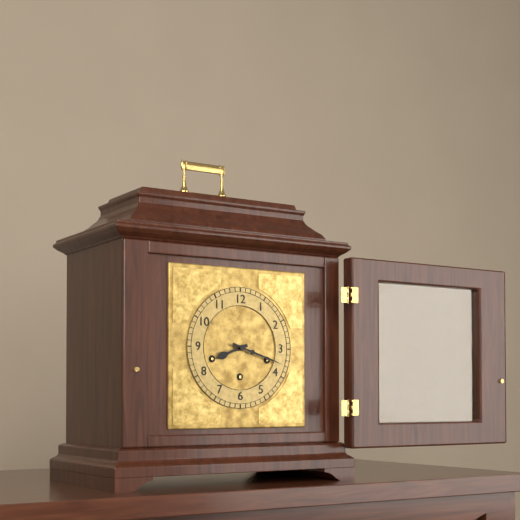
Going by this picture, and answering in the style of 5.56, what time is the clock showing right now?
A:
8.18
